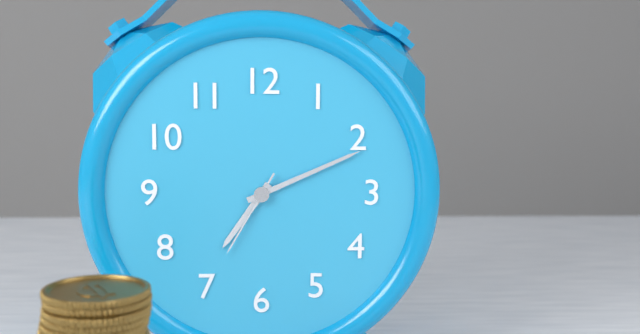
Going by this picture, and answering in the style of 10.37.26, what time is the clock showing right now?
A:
7.11.35
